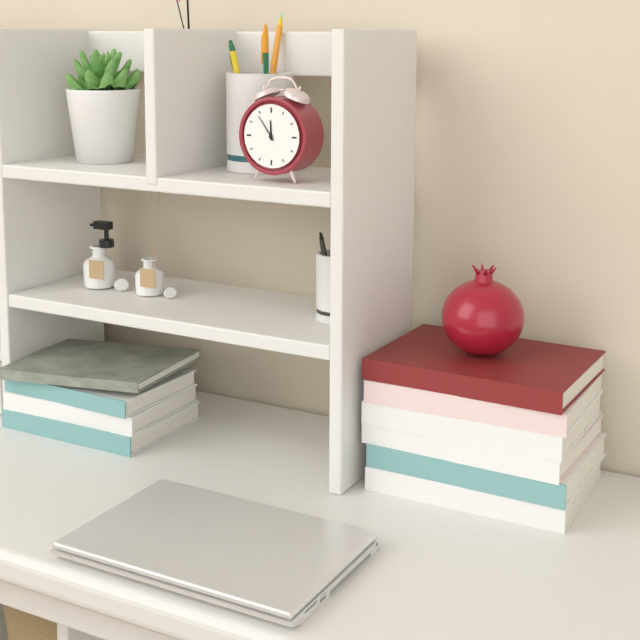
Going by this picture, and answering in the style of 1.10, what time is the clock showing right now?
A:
11.54
